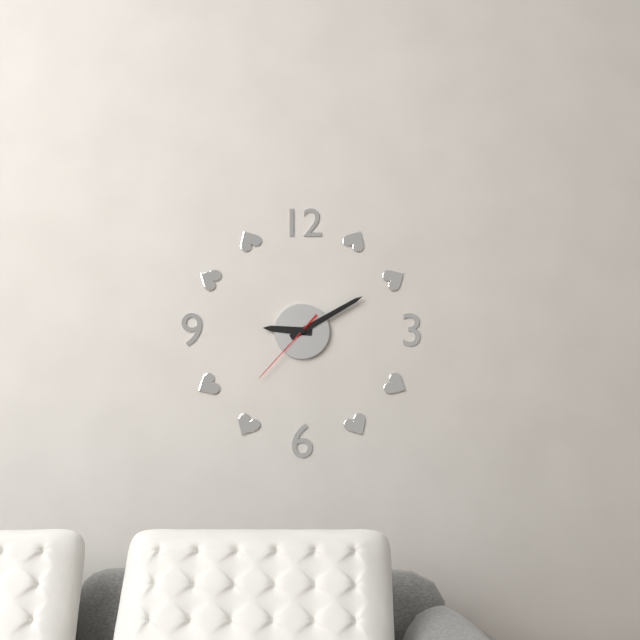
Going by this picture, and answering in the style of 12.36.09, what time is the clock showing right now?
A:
9.10.37
